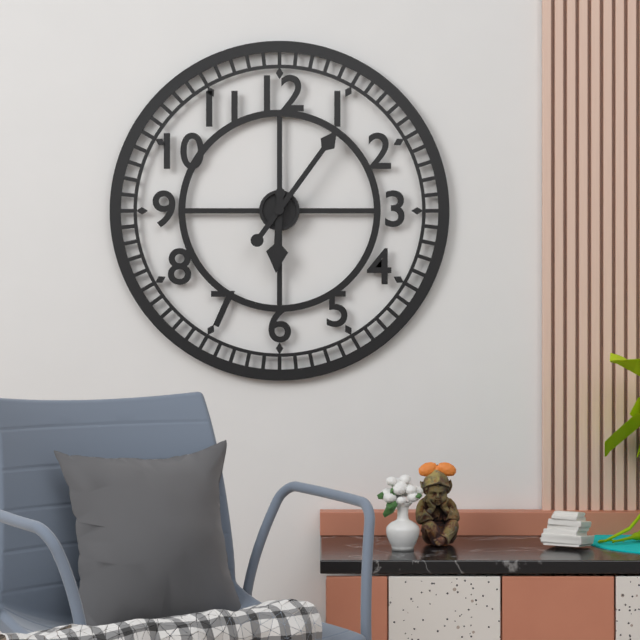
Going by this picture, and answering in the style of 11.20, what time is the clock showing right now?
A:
6.06
